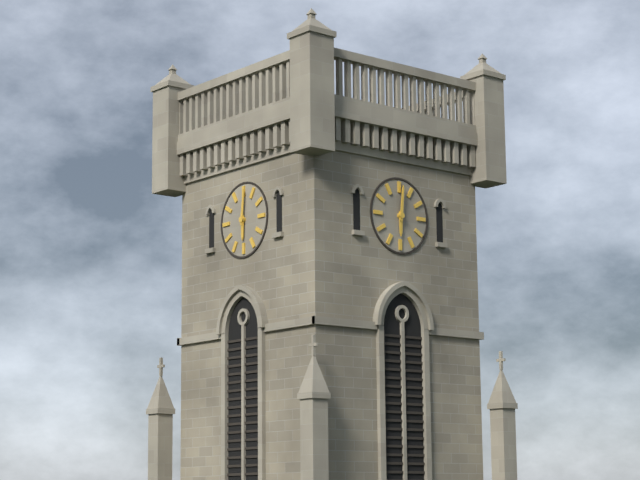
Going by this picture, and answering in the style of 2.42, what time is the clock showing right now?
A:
6.01
